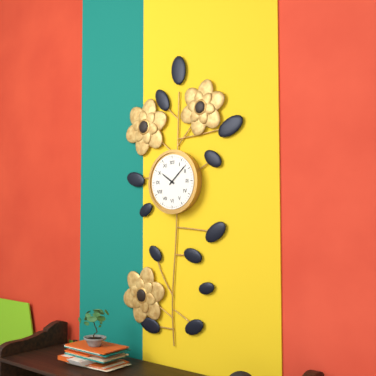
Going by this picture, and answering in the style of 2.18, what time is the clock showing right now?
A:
10.08
